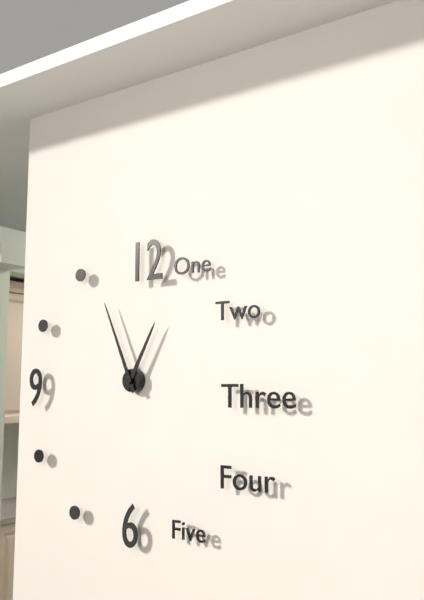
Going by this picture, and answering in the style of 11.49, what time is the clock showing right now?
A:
12.56
